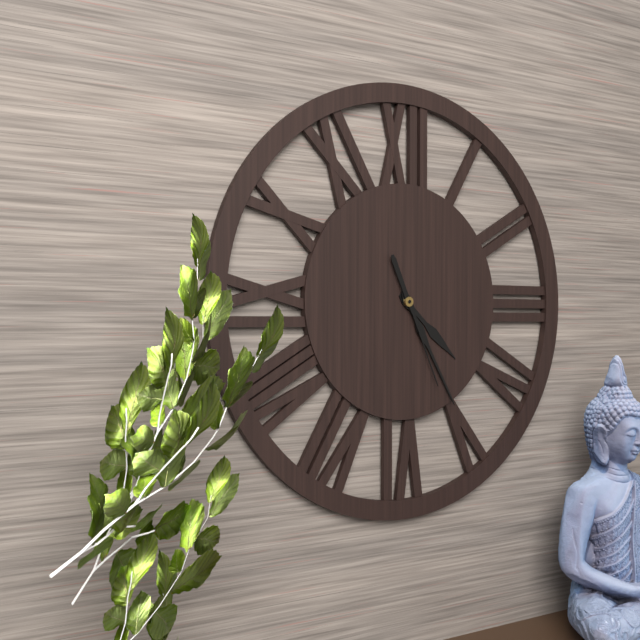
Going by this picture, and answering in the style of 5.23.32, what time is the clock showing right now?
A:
4.25.26
